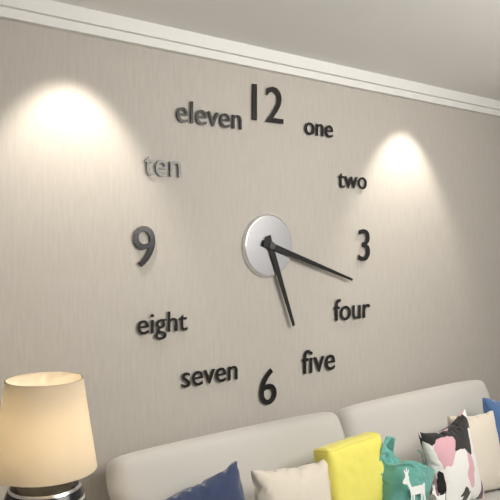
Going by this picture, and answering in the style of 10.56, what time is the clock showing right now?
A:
5.18
